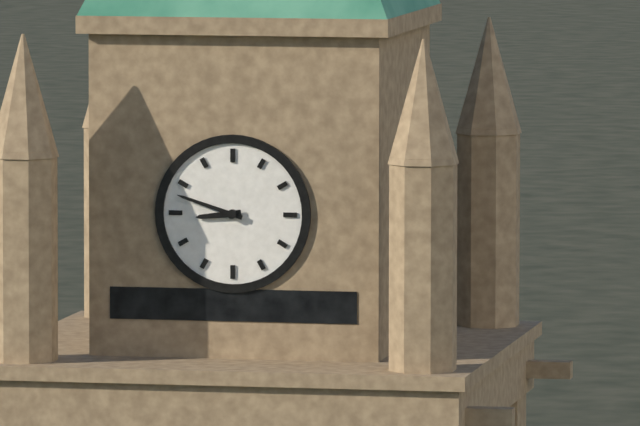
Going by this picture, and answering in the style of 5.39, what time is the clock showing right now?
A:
8.48
